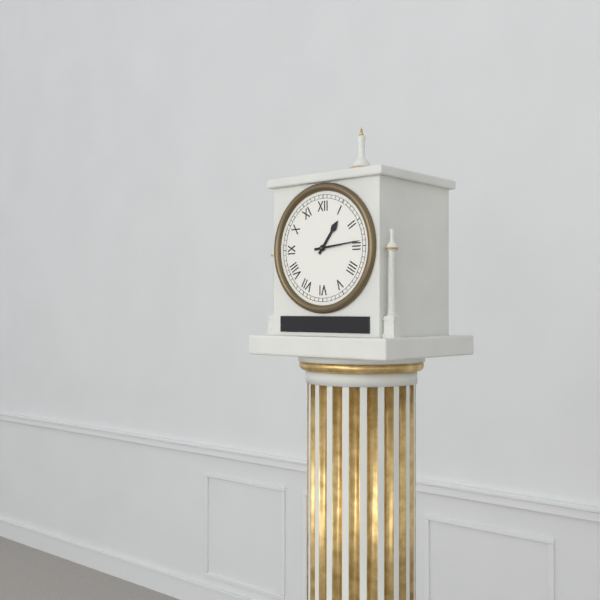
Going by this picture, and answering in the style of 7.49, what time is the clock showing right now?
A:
1.14
